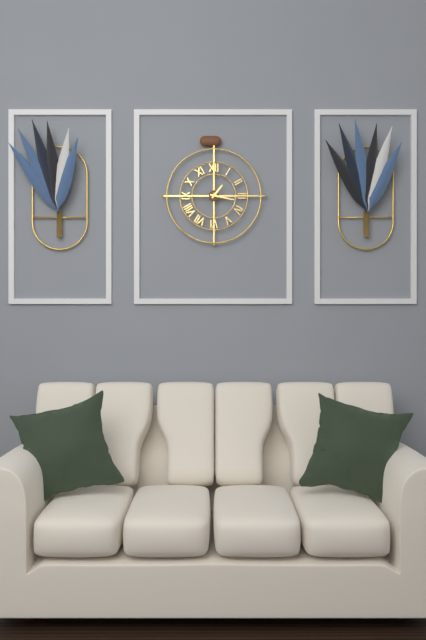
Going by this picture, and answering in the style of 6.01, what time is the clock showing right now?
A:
1.17
